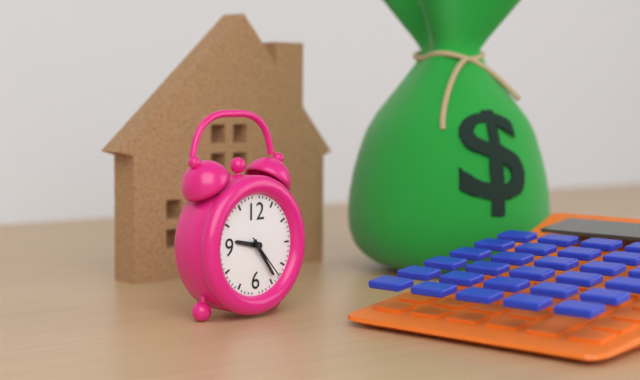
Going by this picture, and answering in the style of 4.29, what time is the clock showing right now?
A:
9.24
